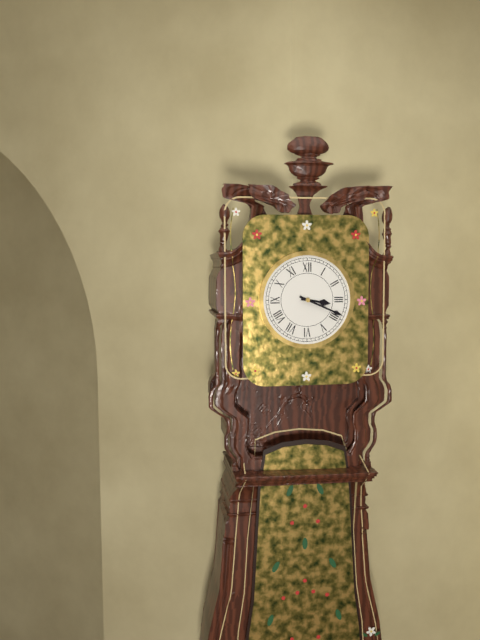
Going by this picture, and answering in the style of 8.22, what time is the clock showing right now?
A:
3.19
